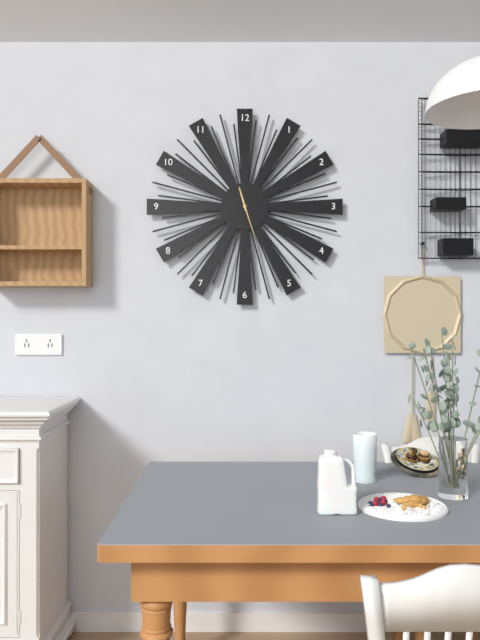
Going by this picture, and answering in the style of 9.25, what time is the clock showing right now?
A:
11.27
